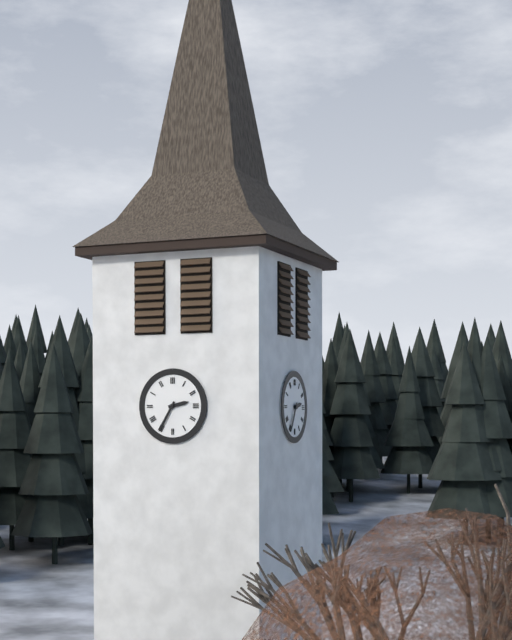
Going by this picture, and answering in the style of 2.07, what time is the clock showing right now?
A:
2.35
